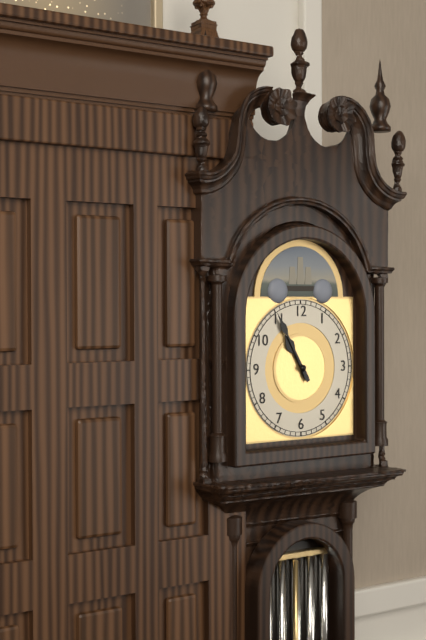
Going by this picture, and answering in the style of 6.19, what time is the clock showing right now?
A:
10.55
